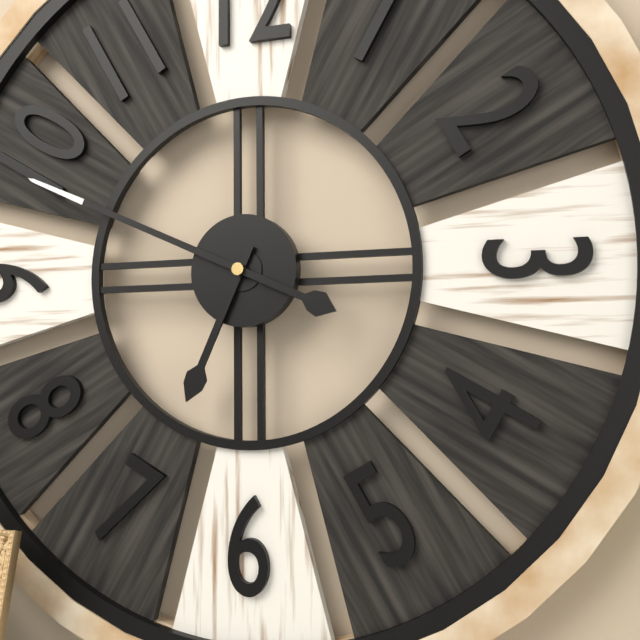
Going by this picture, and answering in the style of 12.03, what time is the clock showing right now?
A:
6.49
